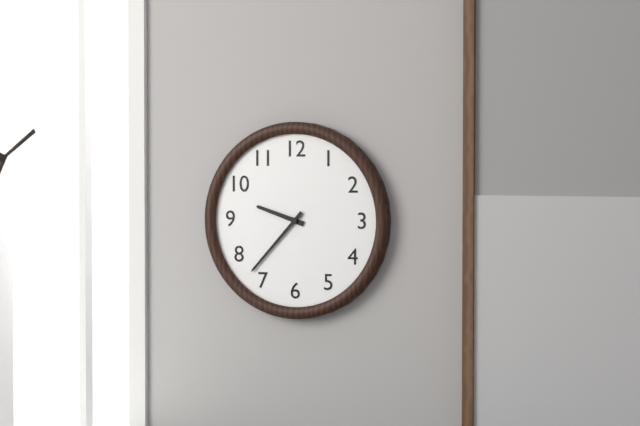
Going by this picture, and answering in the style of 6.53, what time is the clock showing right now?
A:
9.37
